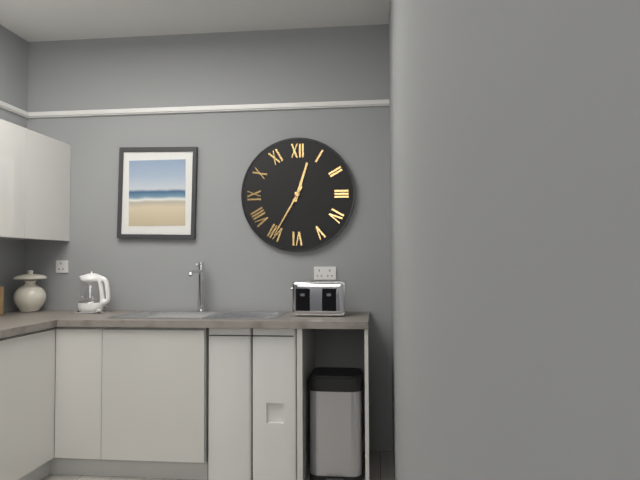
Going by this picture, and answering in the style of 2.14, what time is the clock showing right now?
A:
12.35
